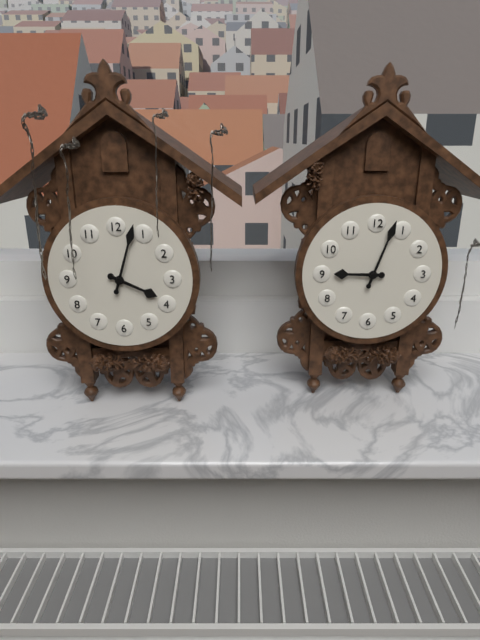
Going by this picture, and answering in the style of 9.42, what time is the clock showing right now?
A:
9.03
